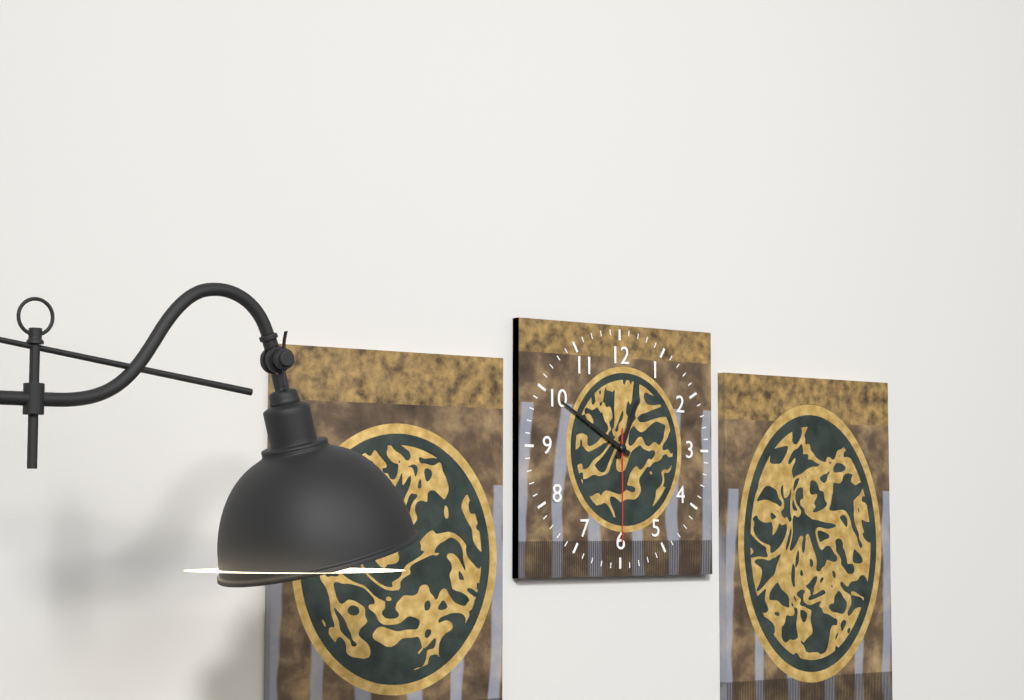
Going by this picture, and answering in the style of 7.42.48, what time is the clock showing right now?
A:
12.50.30
